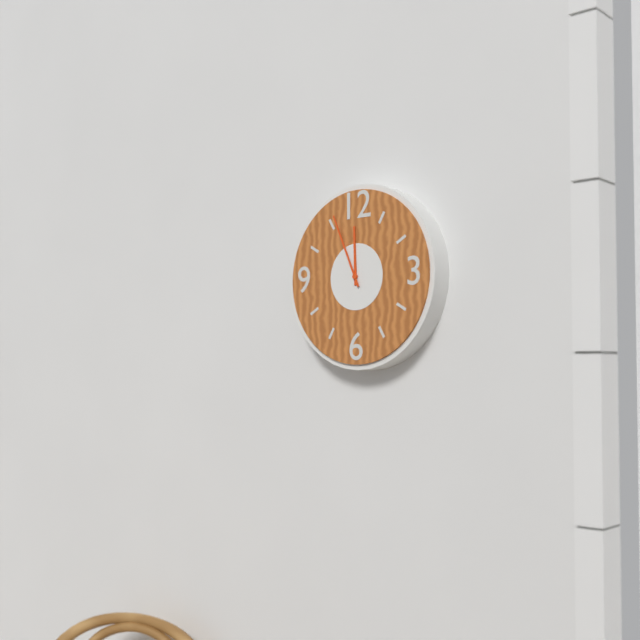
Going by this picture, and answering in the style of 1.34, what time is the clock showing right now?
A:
11.56
